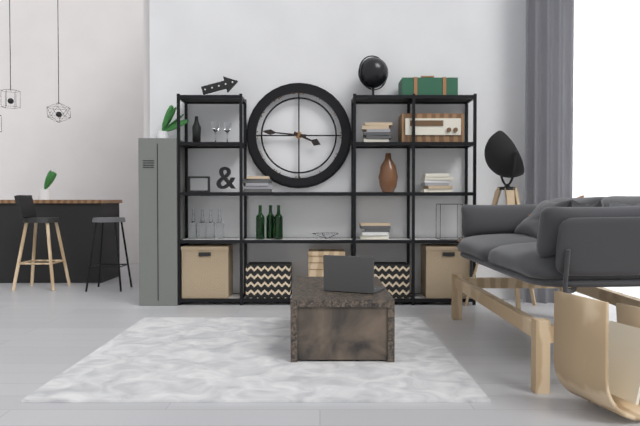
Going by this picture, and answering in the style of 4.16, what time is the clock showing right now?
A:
3.46
